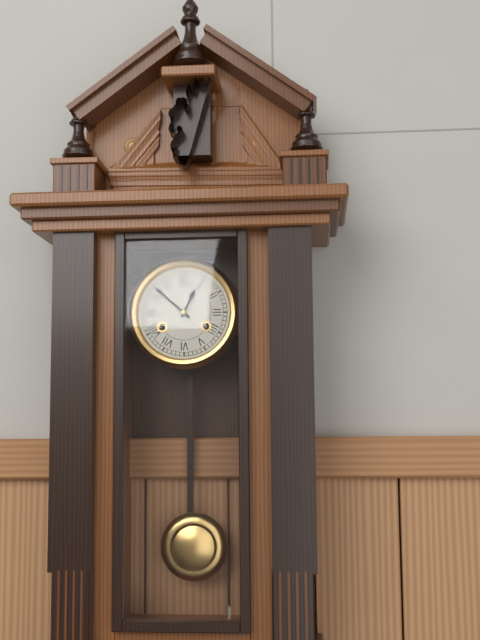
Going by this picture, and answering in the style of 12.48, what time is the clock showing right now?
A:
12.52
